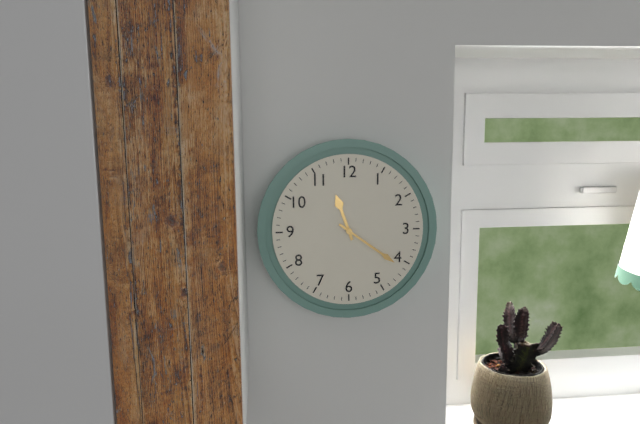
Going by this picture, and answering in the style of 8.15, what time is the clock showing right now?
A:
11.21
